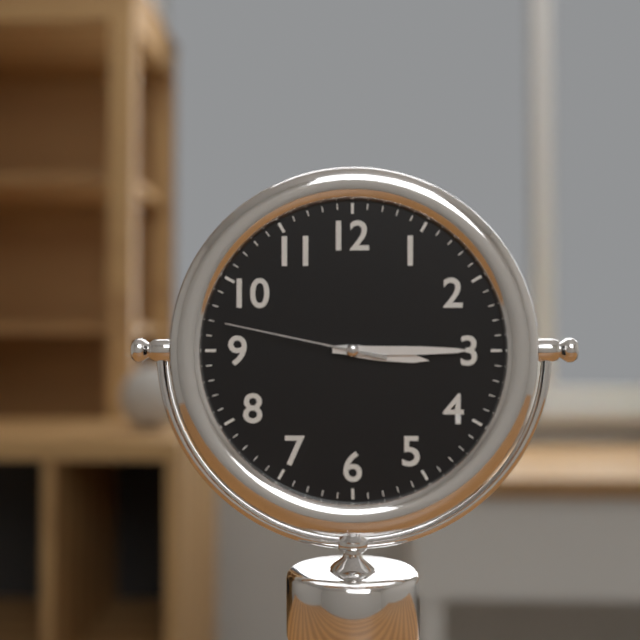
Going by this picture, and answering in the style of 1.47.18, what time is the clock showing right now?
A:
3.15.47
